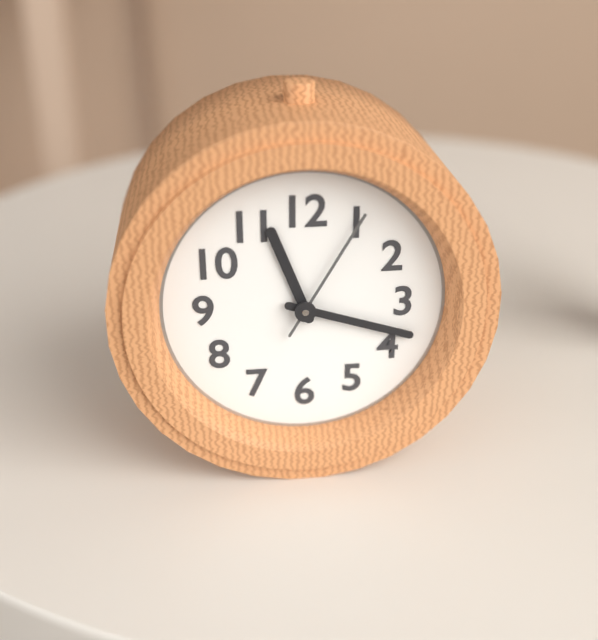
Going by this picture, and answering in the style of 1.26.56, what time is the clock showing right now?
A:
11.18.05
